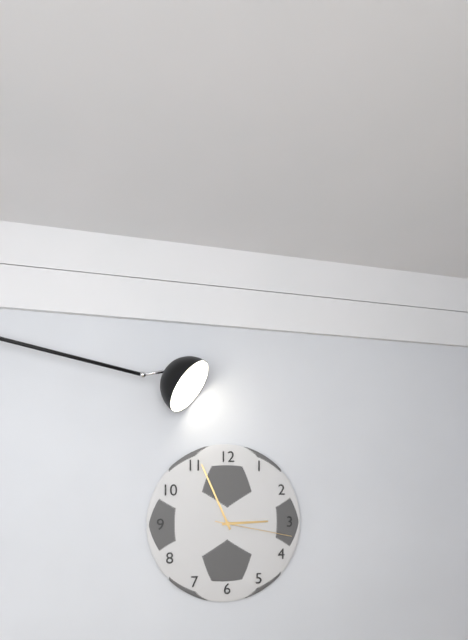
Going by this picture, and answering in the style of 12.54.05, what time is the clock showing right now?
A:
2.56.17
